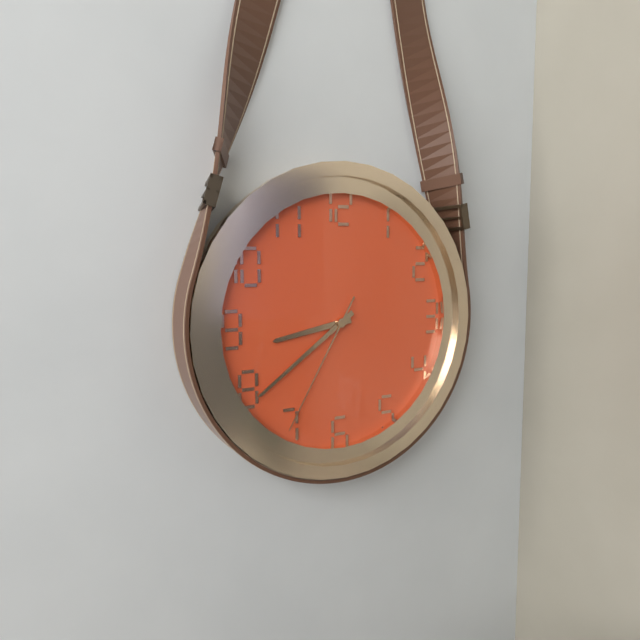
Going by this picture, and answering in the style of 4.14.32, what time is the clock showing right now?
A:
8.39.35
